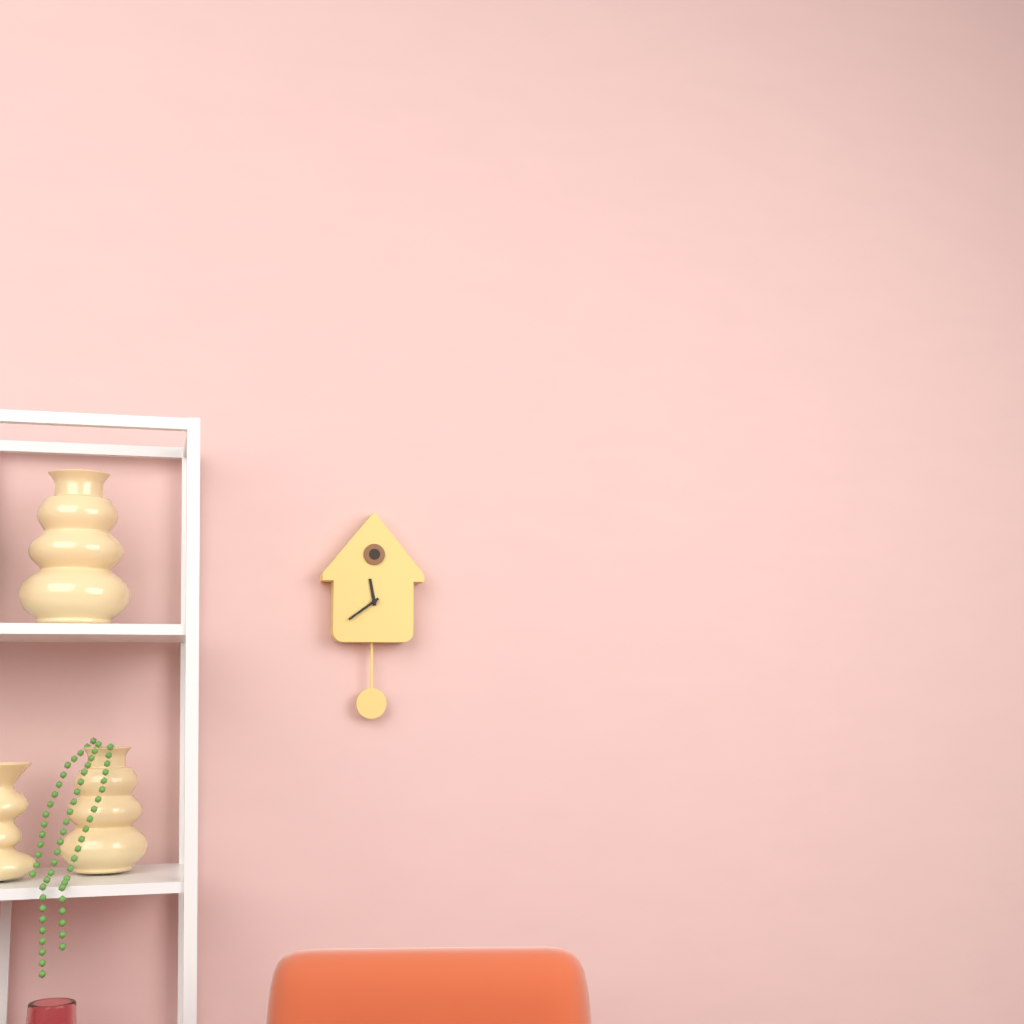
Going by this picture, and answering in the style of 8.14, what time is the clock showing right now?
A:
11.39
